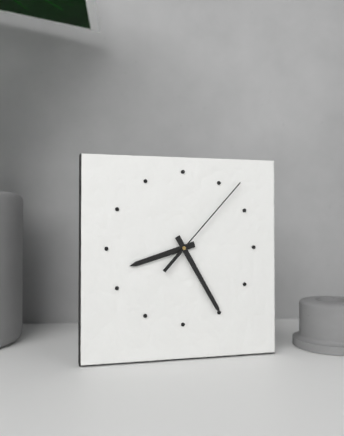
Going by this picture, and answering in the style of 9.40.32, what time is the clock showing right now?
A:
8.25.07
